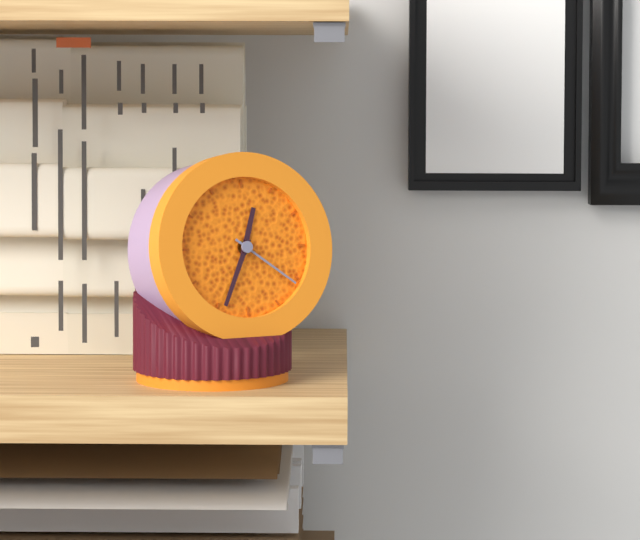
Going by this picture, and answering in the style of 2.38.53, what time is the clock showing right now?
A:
12.34.21
